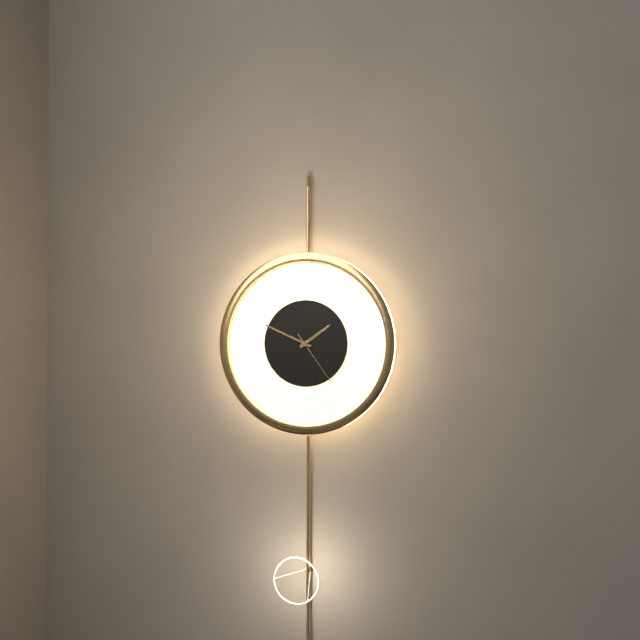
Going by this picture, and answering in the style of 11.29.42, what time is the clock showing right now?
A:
1.49.24
